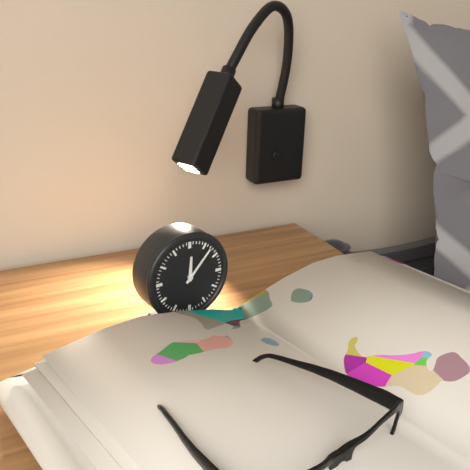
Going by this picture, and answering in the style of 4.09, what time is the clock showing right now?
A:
12.07
